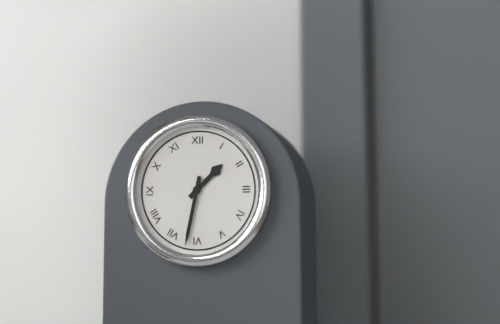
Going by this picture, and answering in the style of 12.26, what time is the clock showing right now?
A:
1.32
